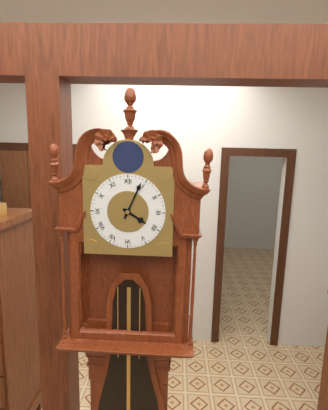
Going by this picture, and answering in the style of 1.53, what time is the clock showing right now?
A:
4.04
